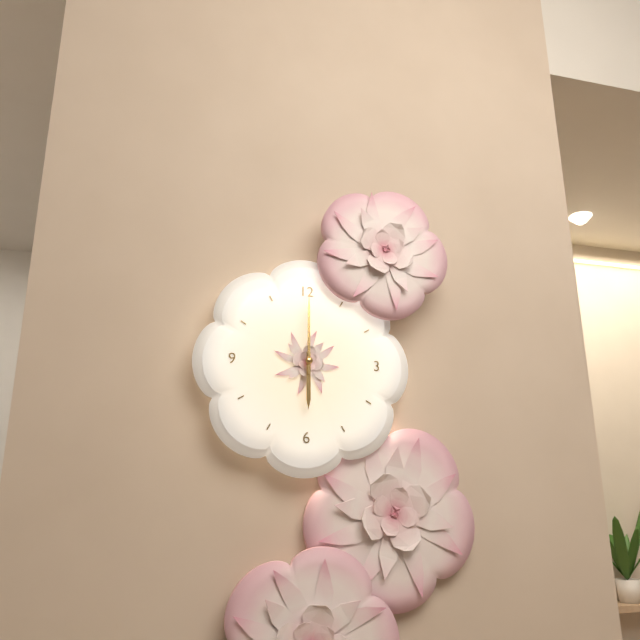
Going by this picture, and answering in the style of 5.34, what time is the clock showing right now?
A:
6.00
